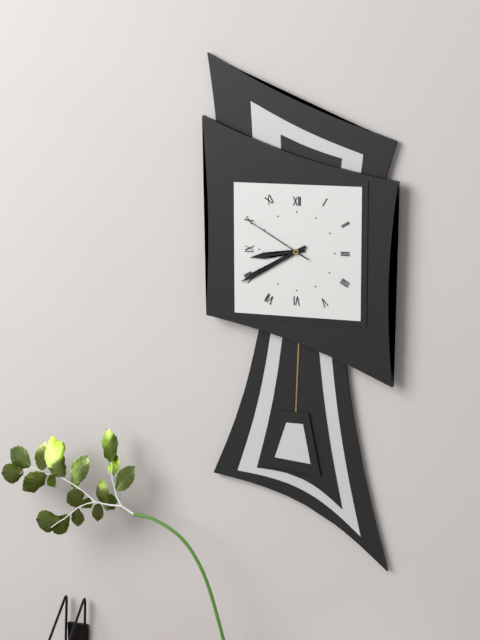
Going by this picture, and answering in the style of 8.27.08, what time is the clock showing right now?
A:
8.40.50
